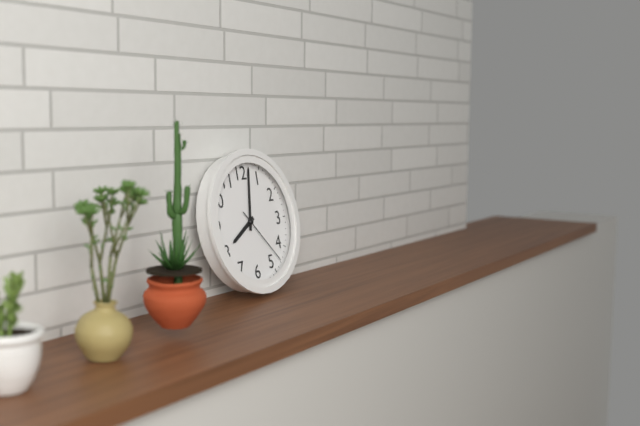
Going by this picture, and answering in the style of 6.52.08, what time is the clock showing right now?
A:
8.02.23
